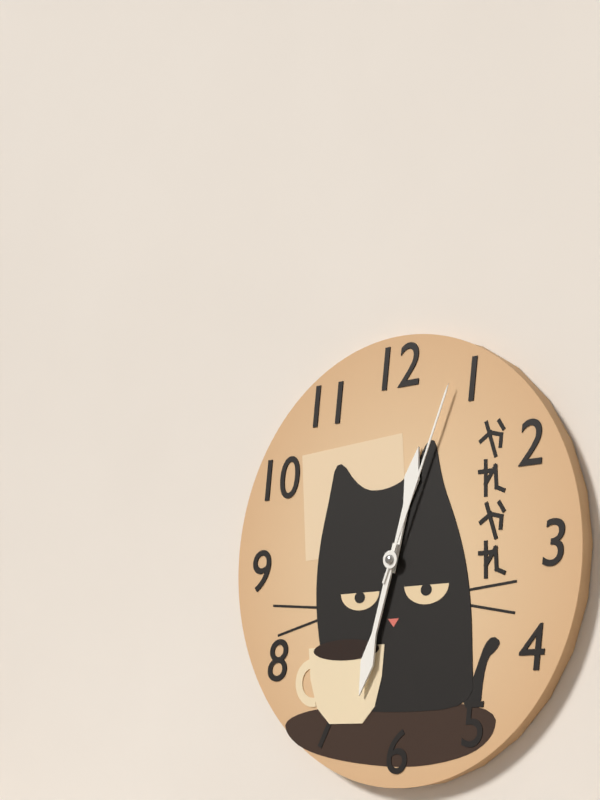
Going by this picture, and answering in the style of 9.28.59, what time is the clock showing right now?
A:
12.33.04
